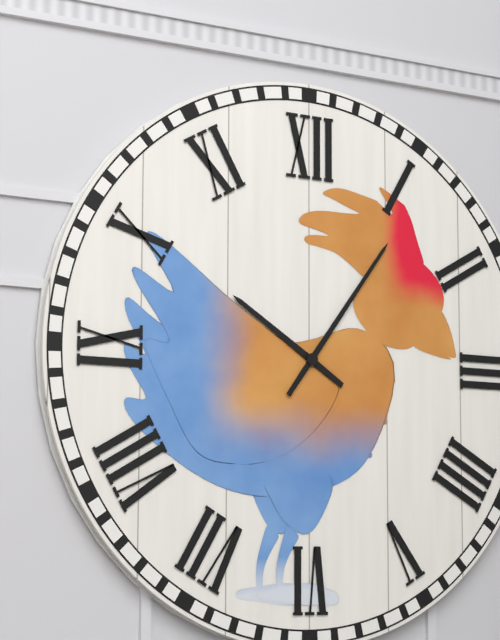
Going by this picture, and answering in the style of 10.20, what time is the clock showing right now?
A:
10.06
